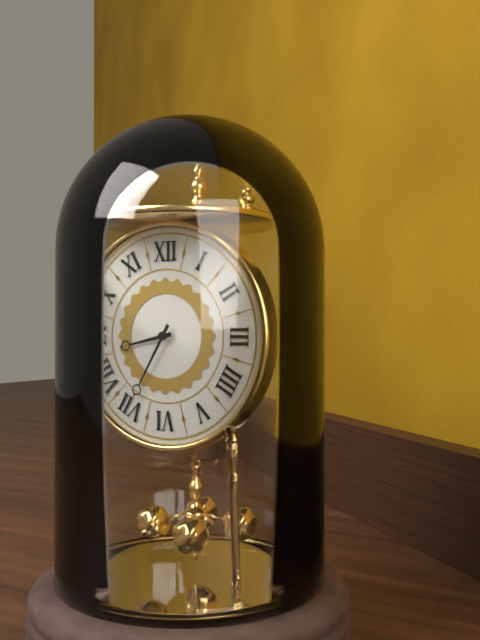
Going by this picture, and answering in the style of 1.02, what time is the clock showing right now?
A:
8.35
